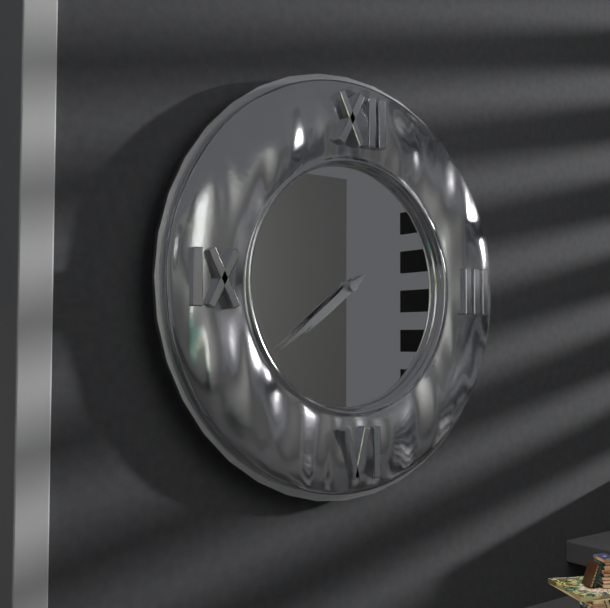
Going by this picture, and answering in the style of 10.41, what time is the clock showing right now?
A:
7.39
